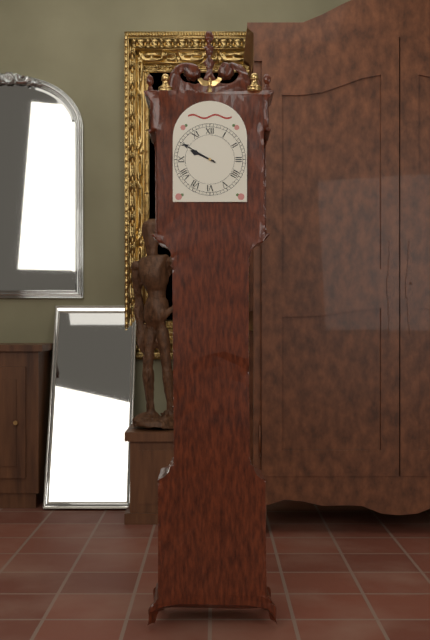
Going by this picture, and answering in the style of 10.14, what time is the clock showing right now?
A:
9.50
